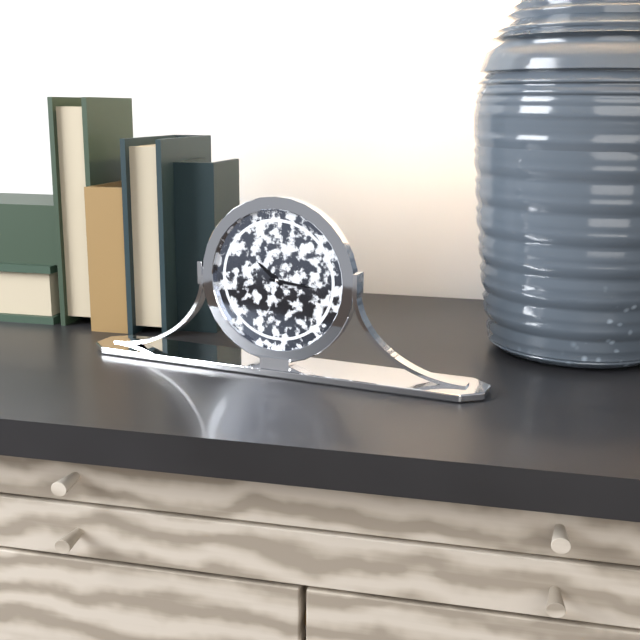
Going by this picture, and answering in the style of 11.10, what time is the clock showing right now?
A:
10.16
